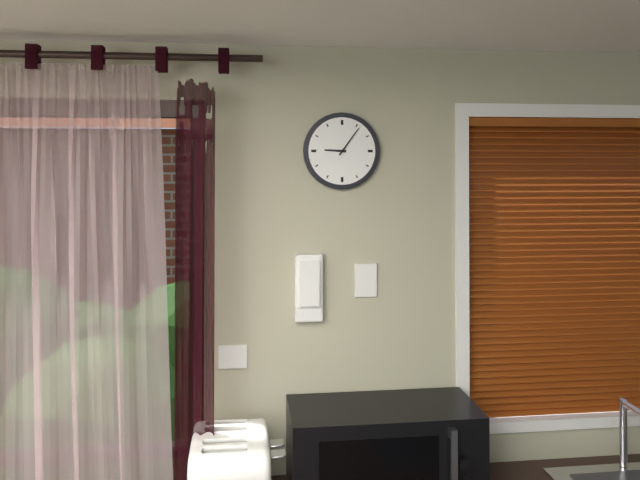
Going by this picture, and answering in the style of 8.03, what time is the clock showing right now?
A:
9.06
